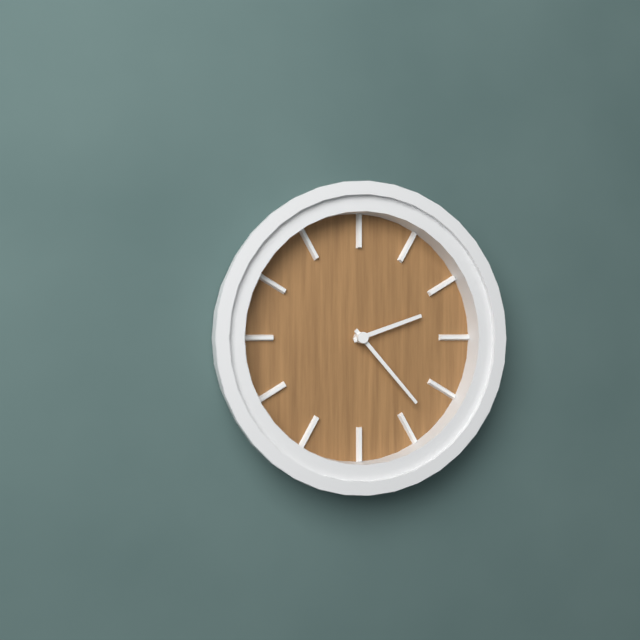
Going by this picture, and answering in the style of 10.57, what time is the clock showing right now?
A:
2.23
